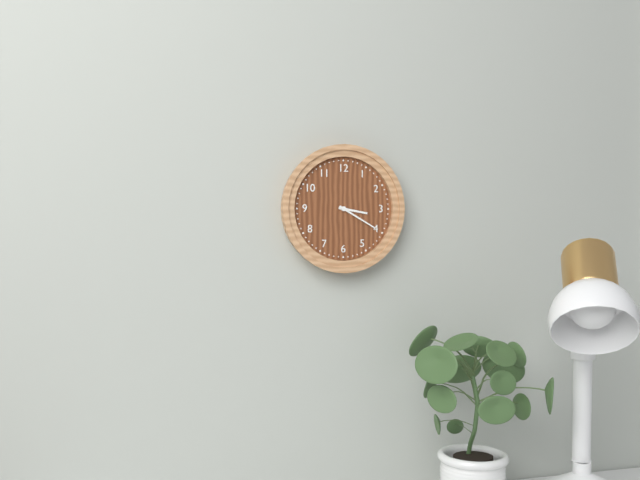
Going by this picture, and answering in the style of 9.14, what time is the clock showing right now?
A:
3.20
